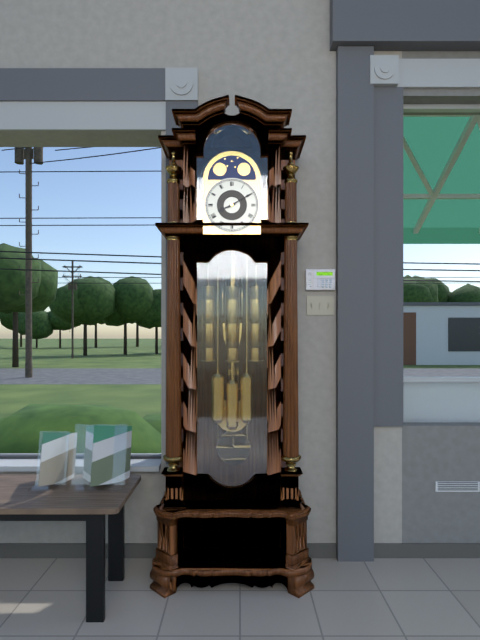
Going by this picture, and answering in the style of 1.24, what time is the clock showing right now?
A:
8.10
